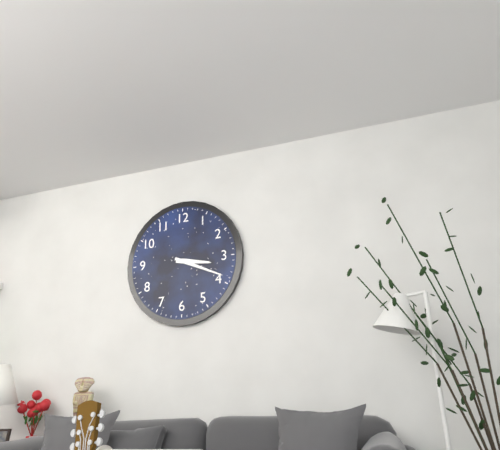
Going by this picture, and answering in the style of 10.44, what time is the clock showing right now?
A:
3.19
